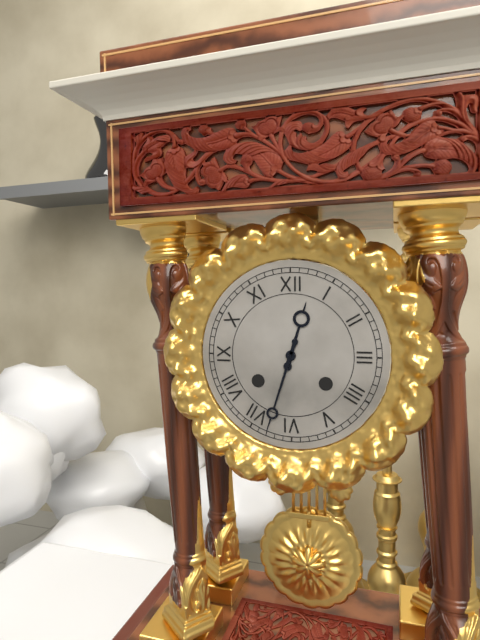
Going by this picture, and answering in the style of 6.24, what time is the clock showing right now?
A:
12.33
